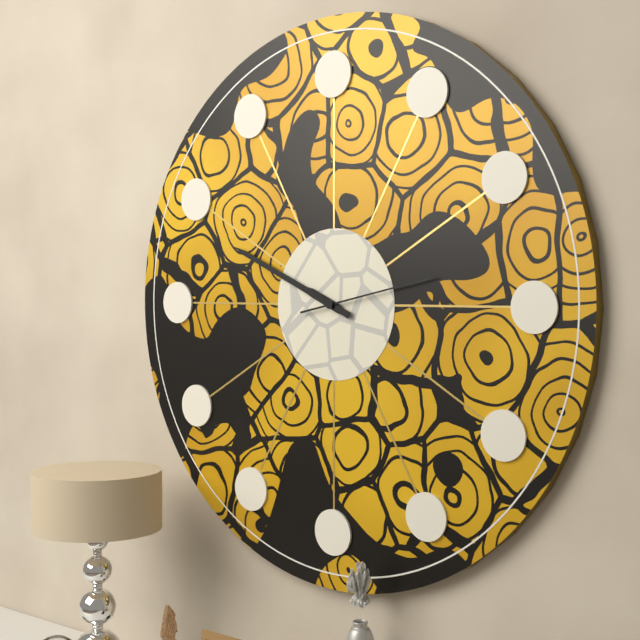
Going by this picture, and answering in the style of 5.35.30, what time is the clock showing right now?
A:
9.49.13
